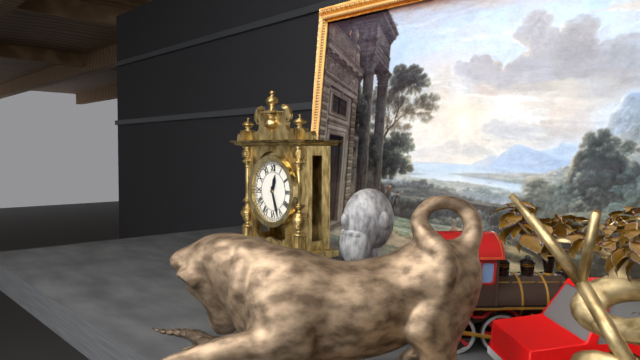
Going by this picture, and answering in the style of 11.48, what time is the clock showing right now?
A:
12.27
